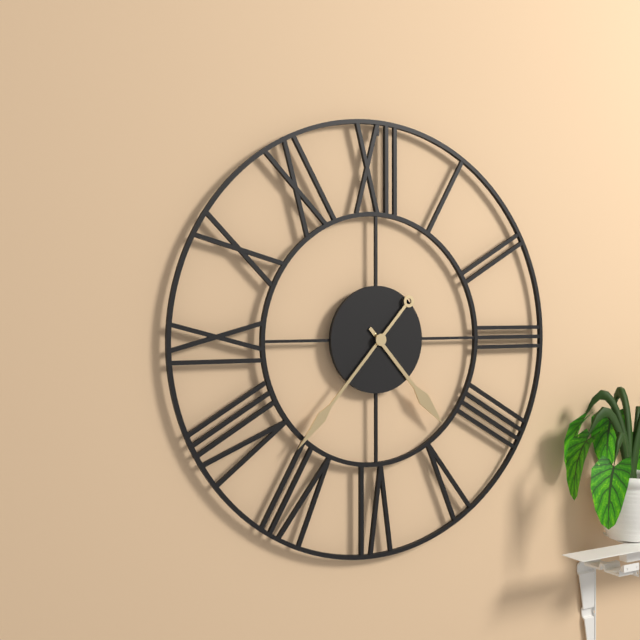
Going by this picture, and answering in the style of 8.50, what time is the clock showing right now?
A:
4.37
